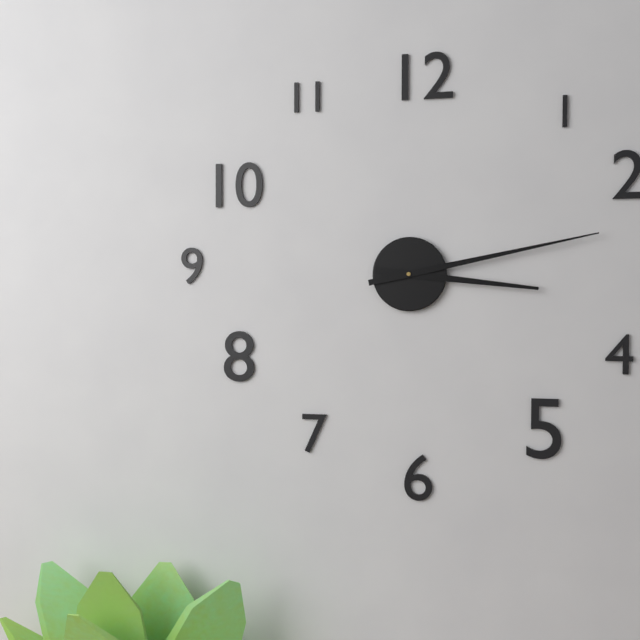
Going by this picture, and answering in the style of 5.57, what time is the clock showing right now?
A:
3.13
